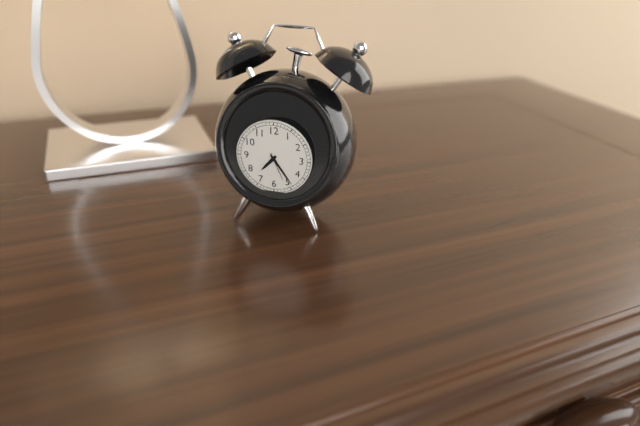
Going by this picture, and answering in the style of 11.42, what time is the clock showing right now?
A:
7.24
